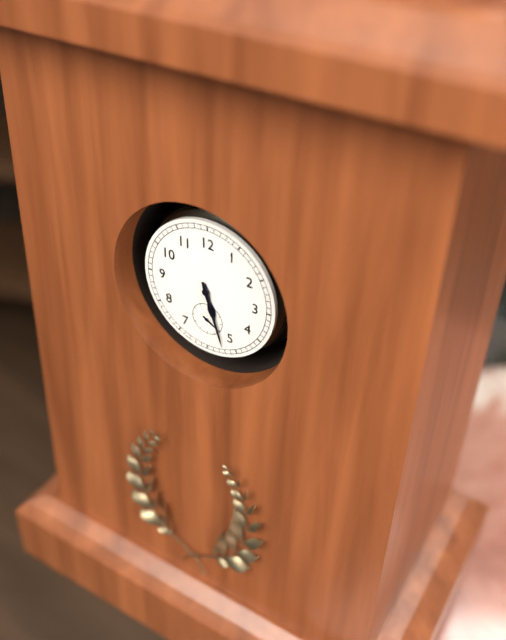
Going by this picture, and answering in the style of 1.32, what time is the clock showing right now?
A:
5.27
